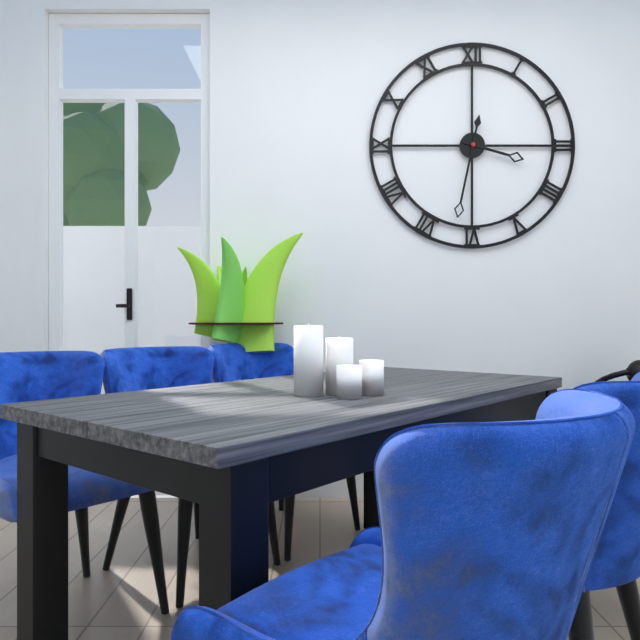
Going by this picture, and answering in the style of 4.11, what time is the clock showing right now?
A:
3.32
